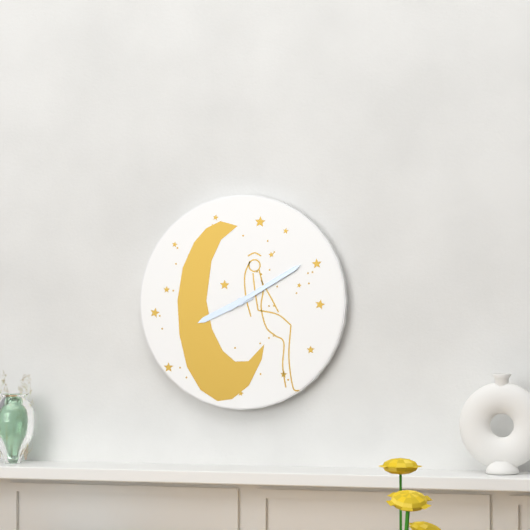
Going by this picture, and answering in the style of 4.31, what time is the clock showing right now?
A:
8.10
